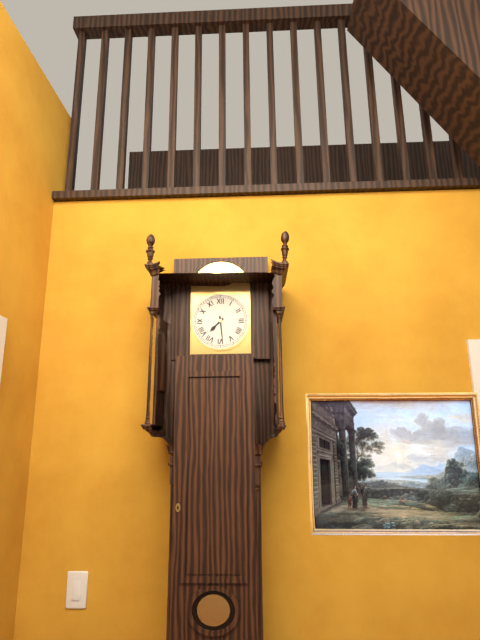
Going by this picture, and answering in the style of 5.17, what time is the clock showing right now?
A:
7.29
